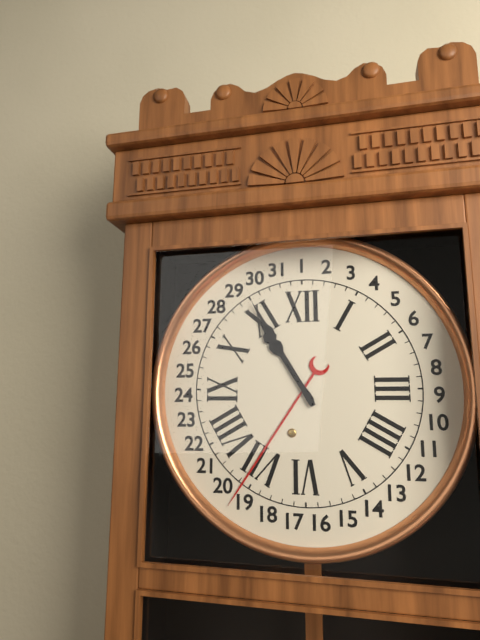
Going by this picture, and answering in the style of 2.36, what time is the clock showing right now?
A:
10.55
